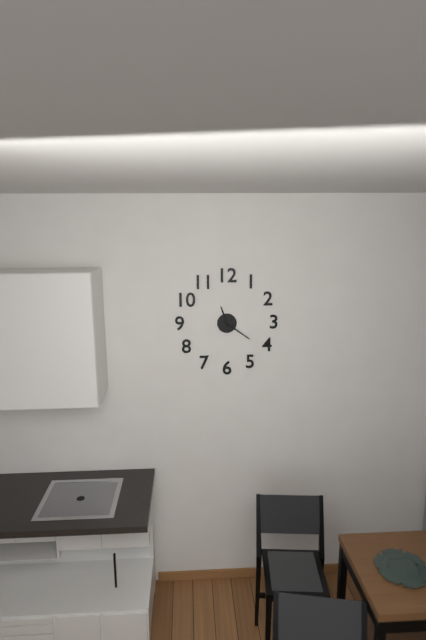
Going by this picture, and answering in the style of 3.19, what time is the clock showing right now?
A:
11.21
